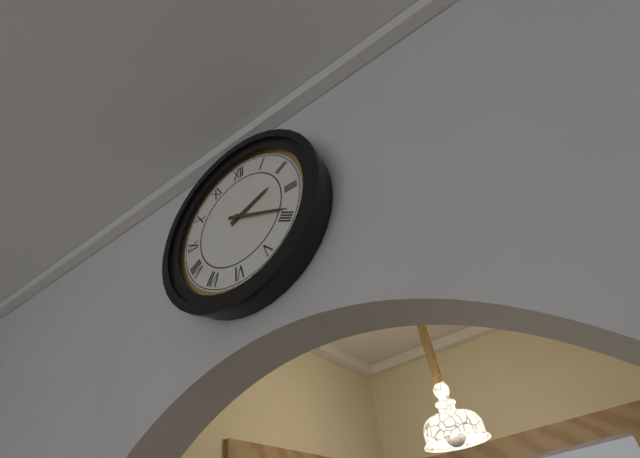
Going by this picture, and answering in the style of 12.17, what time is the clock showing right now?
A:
2.19
